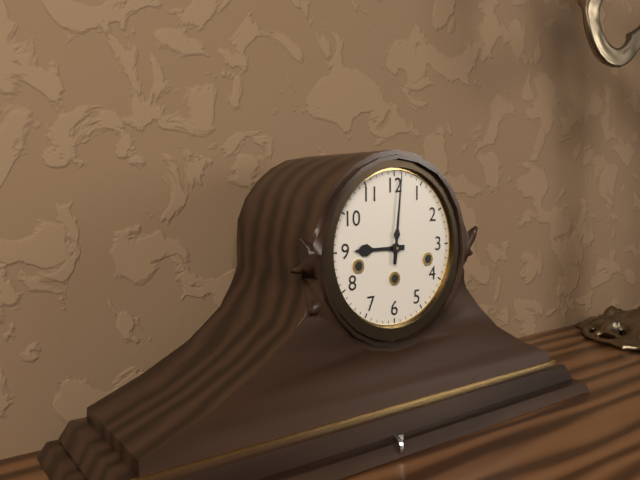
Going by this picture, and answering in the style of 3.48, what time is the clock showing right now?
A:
9.01
